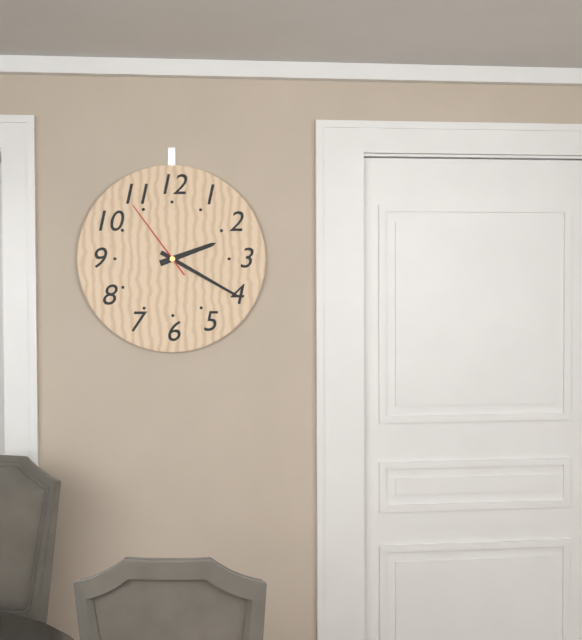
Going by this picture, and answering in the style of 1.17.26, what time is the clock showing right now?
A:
2.20.54
